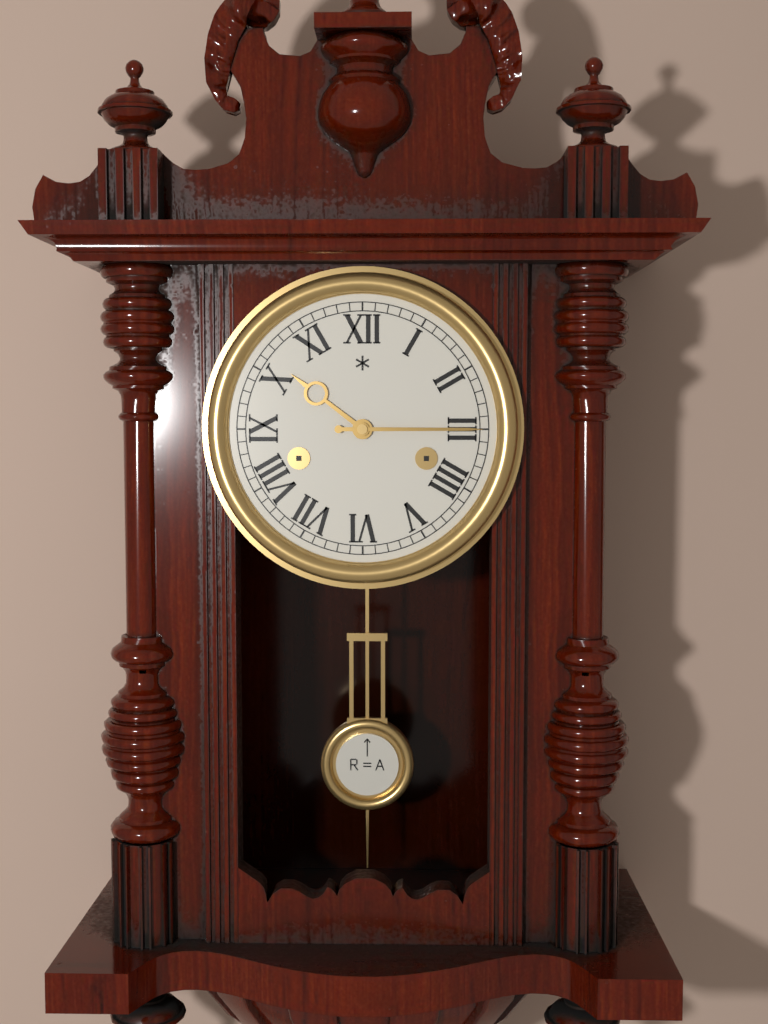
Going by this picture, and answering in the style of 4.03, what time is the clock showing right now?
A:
10.15
